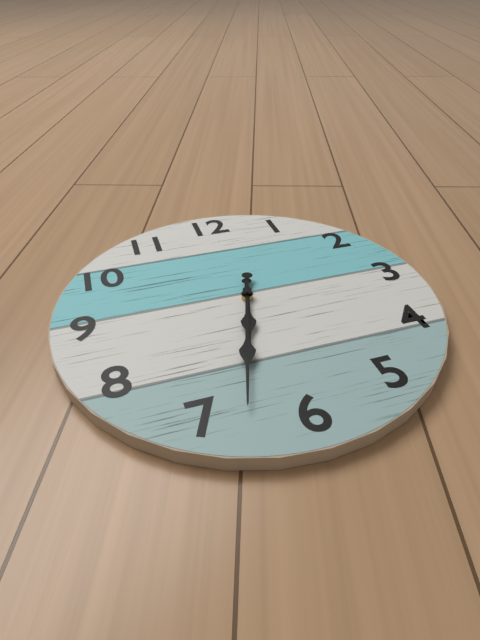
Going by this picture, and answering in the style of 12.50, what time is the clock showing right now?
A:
6.33
